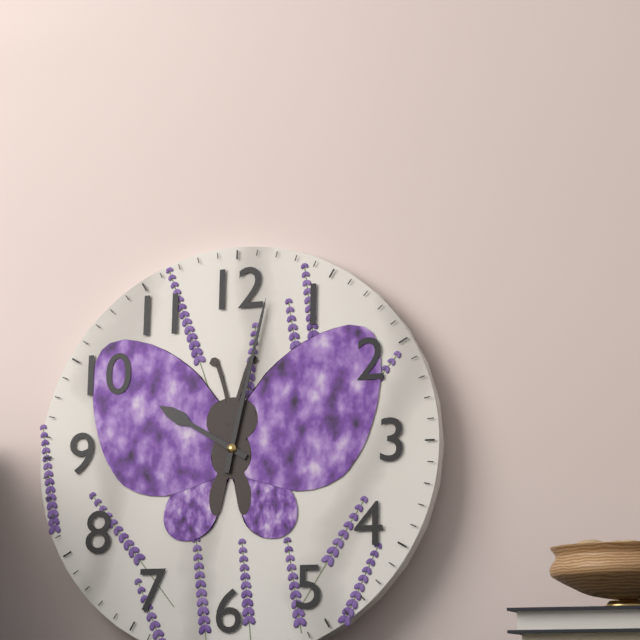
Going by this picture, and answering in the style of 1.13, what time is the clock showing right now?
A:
10.02
